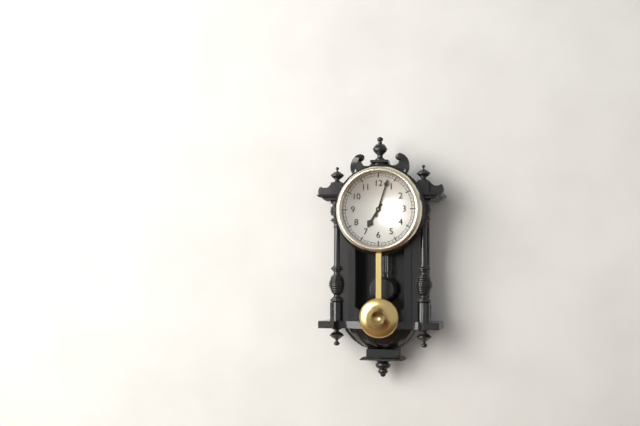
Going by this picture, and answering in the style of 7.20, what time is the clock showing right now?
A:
7.03
